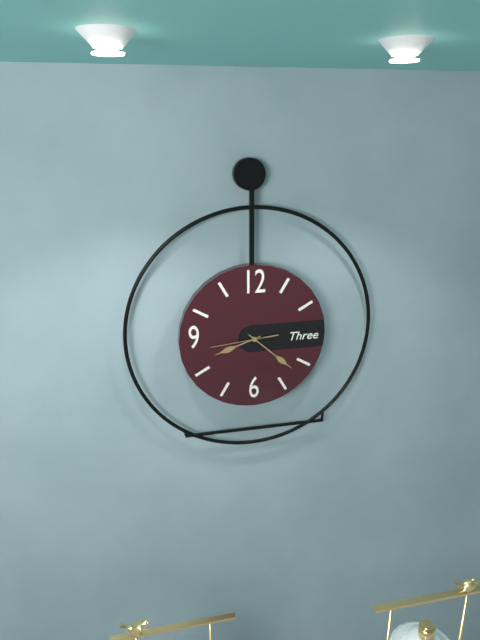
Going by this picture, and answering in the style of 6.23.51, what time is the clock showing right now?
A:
8.22.44
